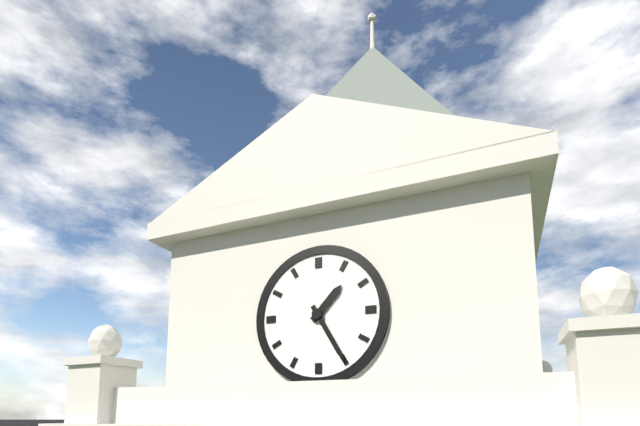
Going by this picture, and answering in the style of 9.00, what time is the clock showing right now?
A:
1.25
